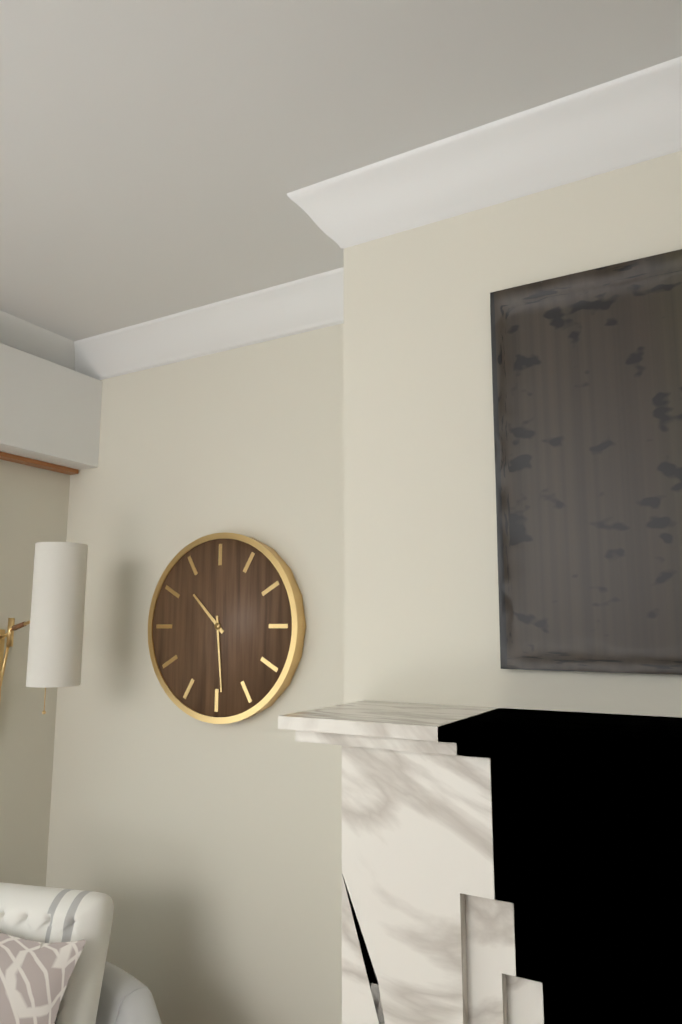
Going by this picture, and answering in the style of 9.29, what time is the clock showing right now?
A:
10.29
